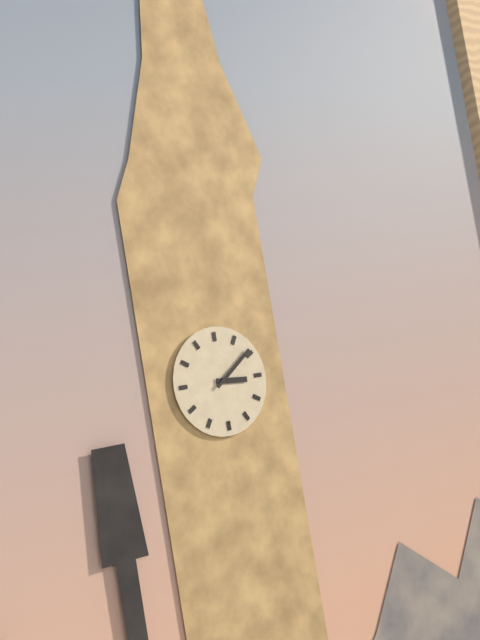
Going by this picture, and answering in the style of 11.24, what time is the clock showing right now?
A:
3.09
